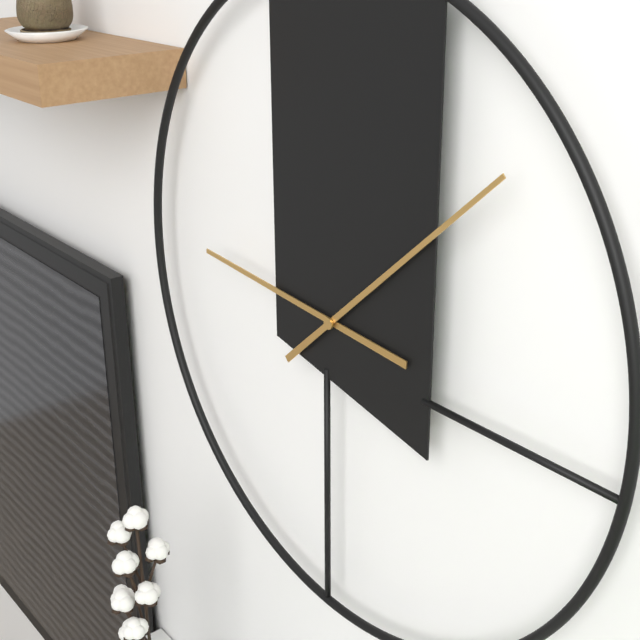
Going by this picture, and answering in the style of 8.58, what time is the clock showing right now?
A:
9.08
